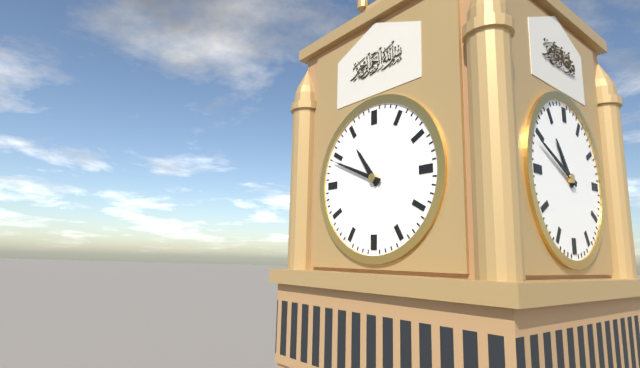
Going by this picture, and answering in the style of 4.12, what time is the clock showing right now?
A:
10.49
